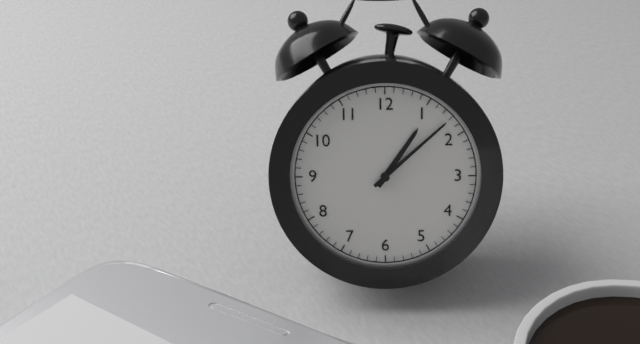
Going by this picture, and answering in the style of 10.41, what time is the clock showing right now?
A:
1.08
